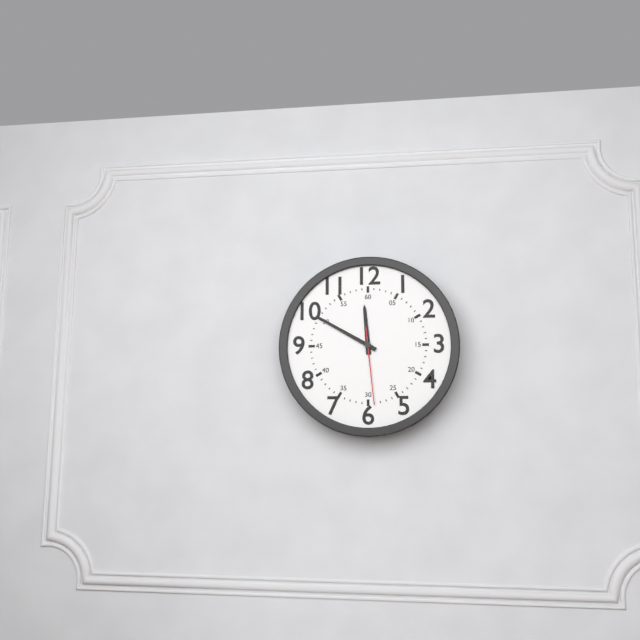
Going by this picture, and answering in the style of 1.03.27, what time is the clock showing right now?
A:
11.50.29
